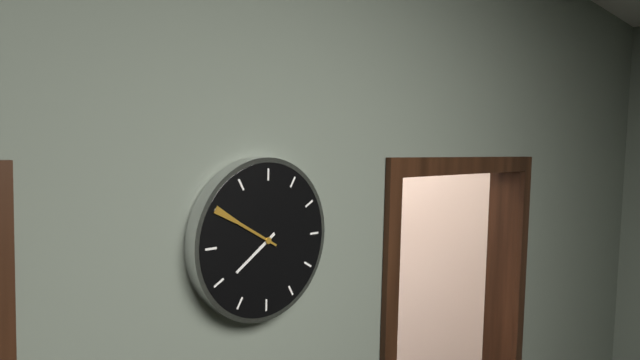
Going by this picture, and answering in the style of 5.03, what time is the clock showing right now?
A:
7.50
